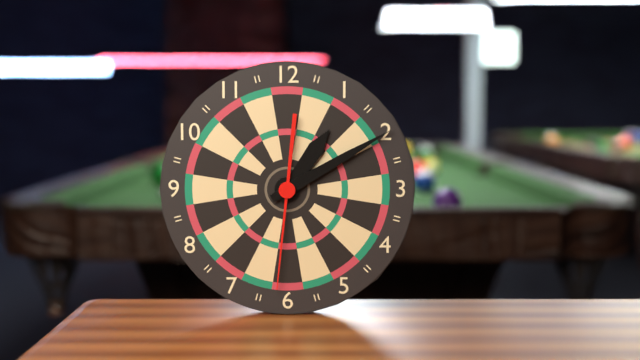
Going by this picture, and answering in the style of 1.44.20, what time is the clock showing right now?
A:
1.10.31
